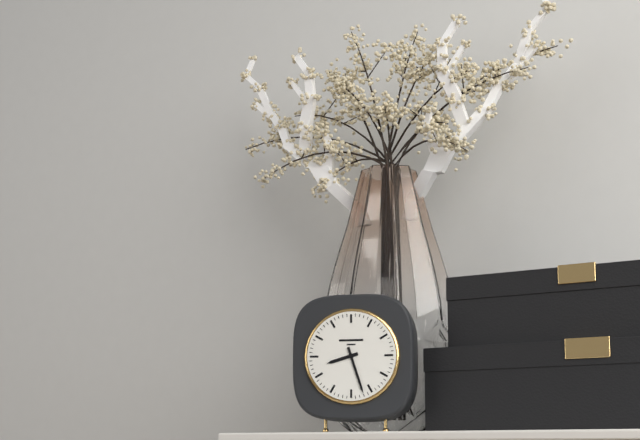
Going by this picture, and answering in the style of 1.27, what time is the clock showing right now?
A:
8.27
